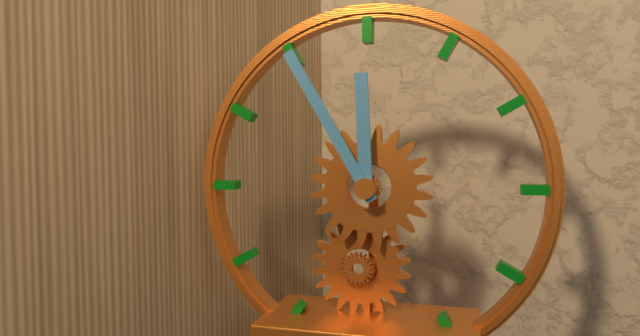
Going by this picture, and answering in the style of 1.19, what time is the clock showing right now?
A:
11.55
